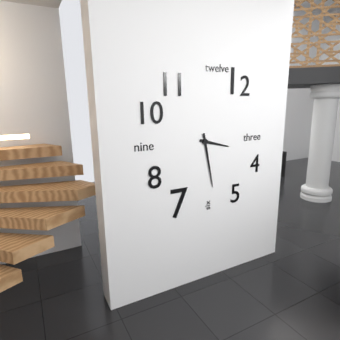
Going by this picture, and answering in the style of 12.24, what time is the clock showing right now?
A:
3.28
